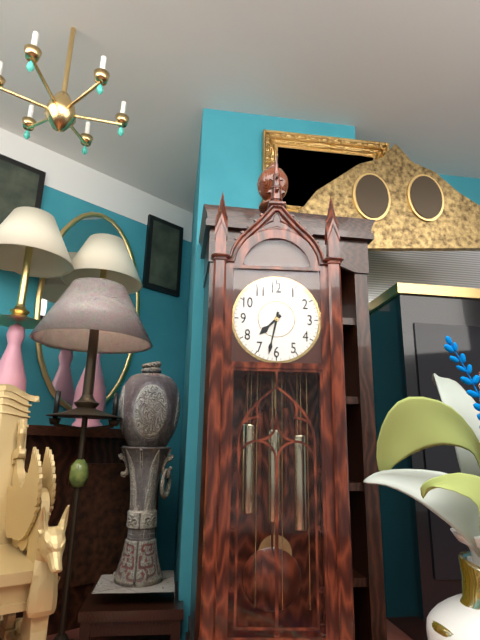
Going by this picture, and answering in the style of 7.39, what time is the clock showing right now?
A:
7.32
